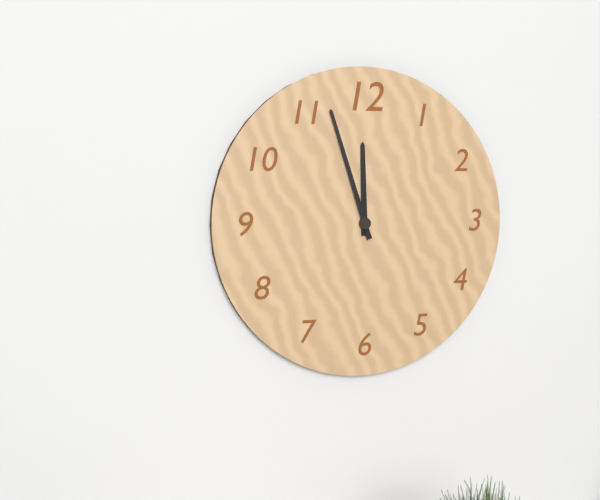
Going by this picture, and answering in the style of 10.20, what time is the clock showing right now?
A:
11.57
